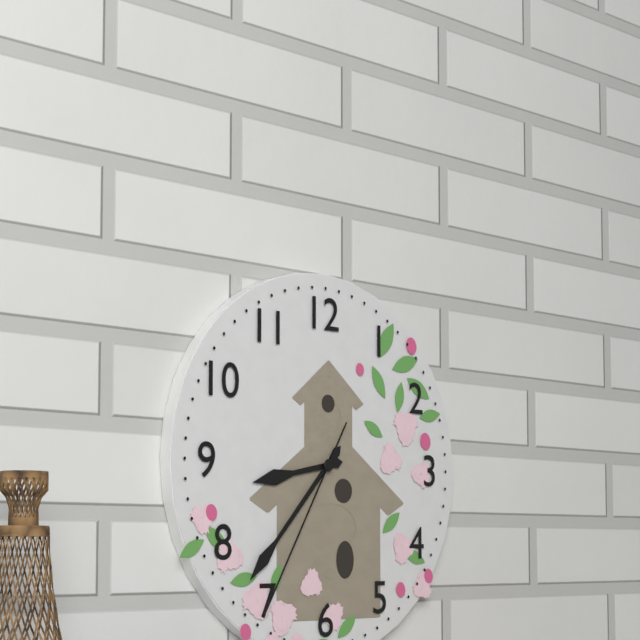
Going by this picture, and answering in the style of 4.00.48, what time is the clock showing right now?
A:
8.37.35
